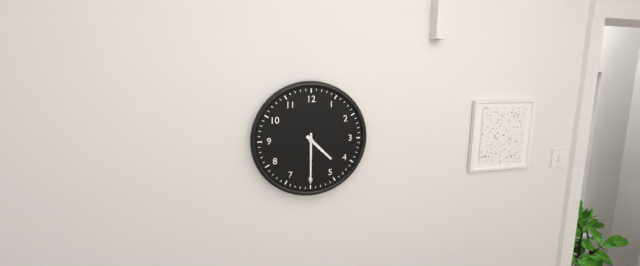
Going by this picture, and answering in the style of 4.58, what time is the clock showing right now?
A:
4.30
